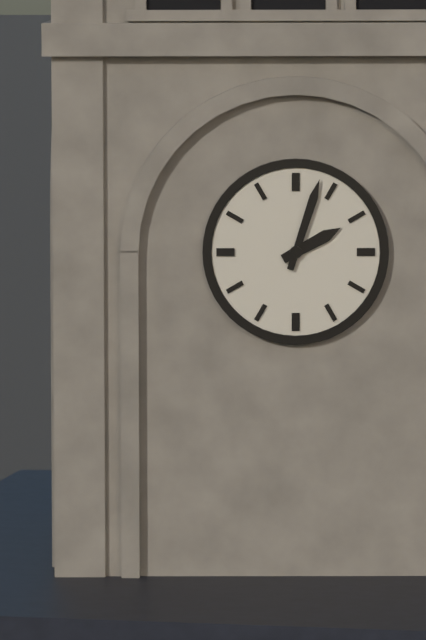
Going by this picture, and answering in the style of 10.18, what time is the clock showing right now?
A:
2.03
